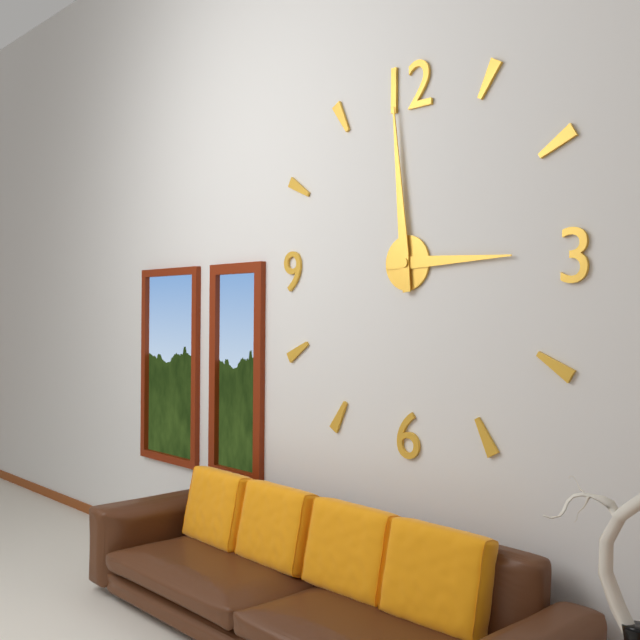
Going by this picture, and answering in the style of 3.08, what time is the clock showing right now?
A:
2.59
